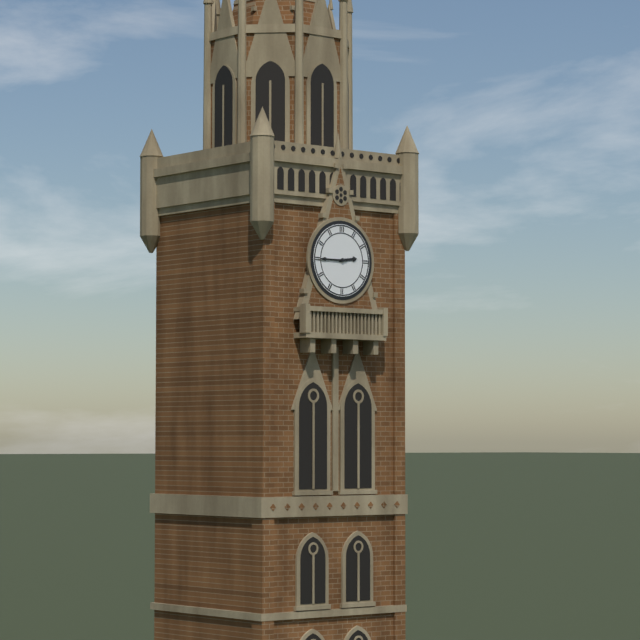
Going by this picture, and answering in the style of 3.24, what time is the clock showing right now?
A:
2.45
